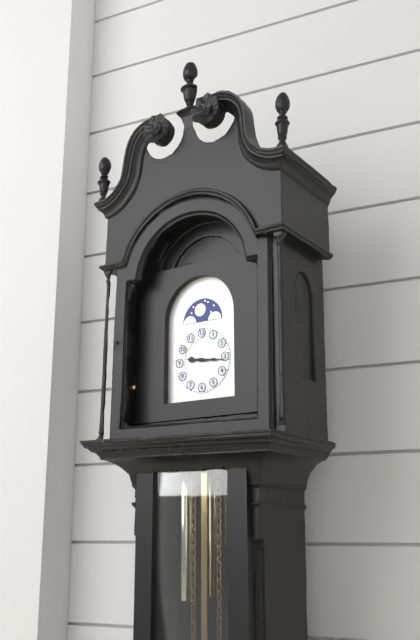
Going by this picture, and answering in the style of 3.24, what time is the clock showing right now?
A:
9.16
